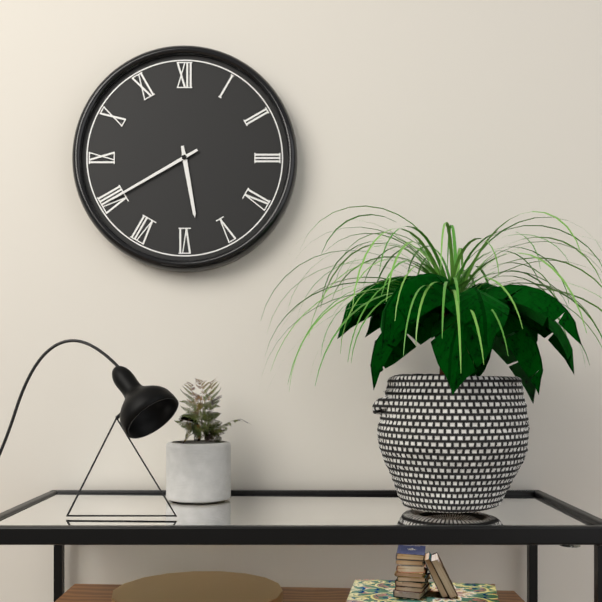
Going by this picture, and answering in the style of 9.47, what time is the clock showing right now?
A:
5.40
